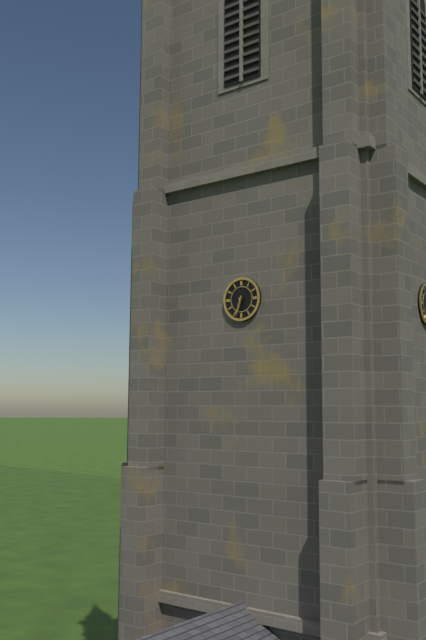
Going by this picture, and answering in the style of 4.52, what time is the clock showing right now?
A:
6.33
